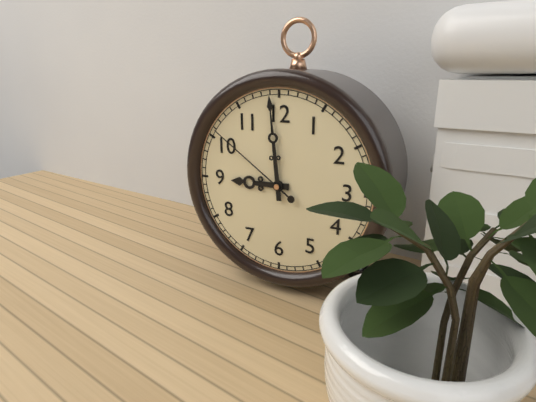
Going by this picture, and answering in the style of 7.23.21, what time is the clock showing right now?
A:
8.59.51
